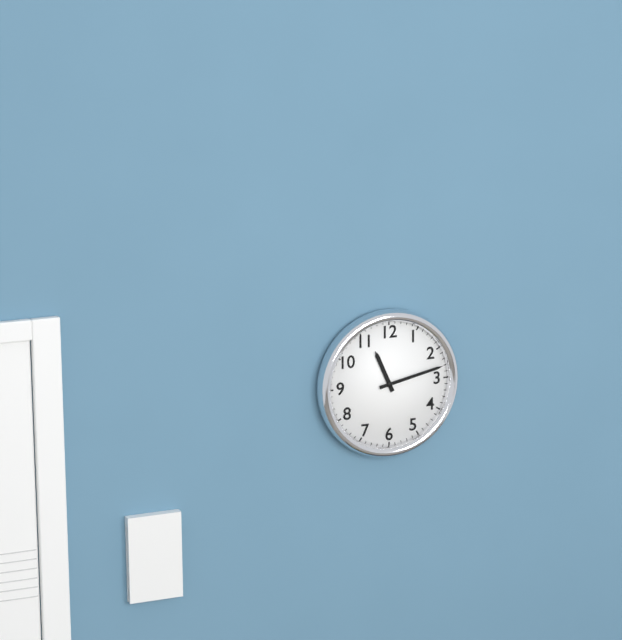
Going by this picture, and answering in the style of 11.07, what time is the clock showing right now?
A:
11.13
